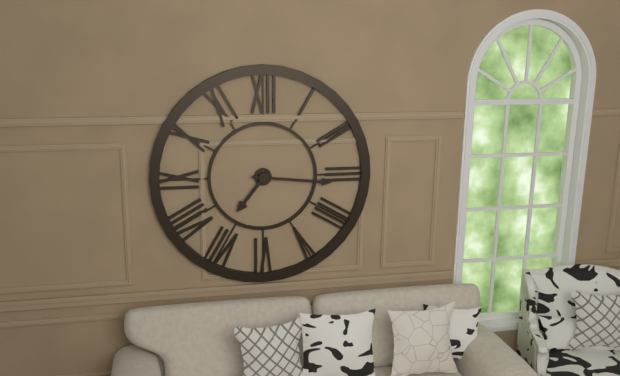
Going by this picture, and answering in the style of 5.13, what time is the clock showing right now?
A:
7.16
